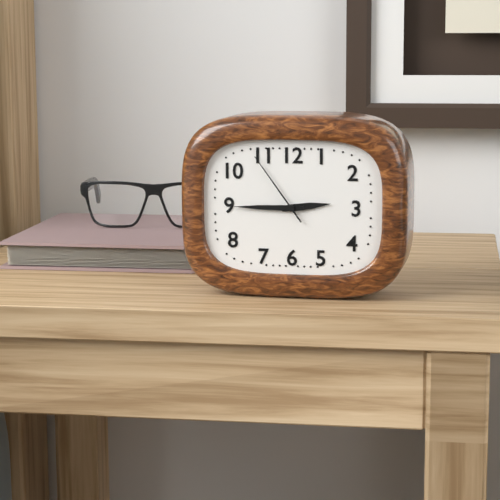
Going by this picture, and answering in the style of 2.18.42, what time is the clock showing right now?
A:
2.45.54
